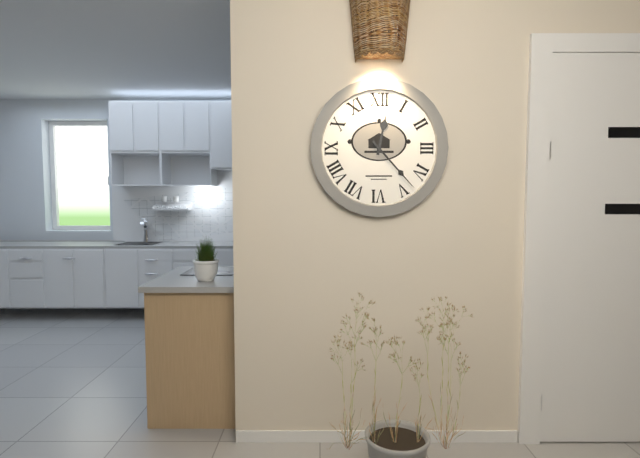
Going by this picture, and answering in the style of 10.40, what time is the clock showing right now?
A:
12.23
